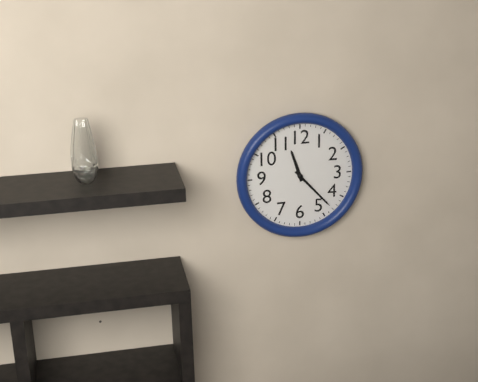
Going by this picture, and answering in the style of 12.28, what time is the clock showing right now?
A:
11.23
